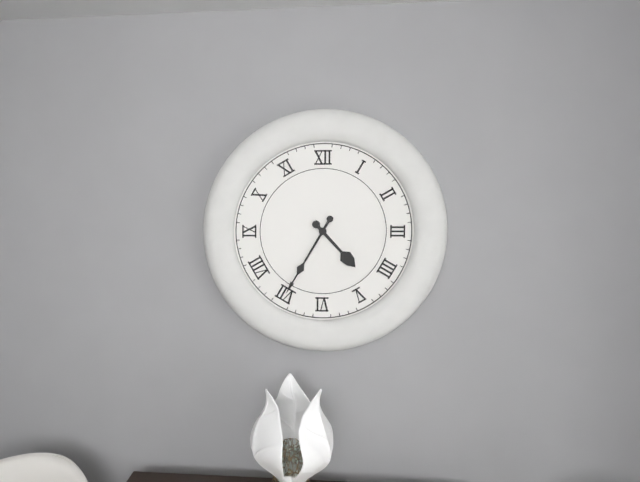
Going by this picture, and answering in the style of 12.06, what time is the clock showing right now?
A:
4.35
